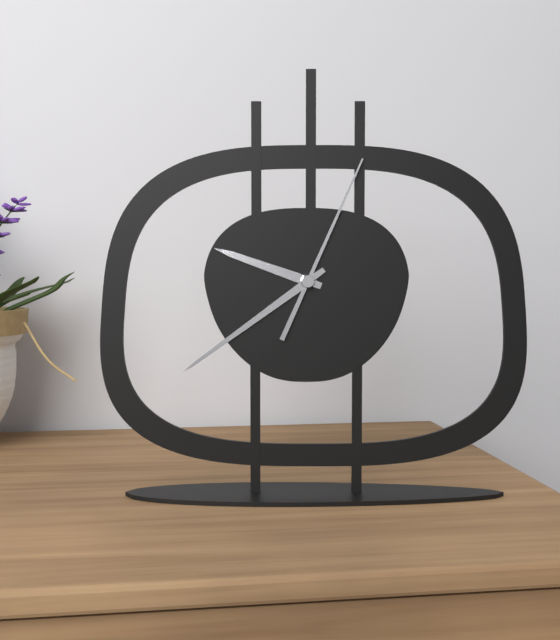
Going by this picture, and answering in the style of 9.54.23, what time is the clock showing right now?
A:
9.39.04
